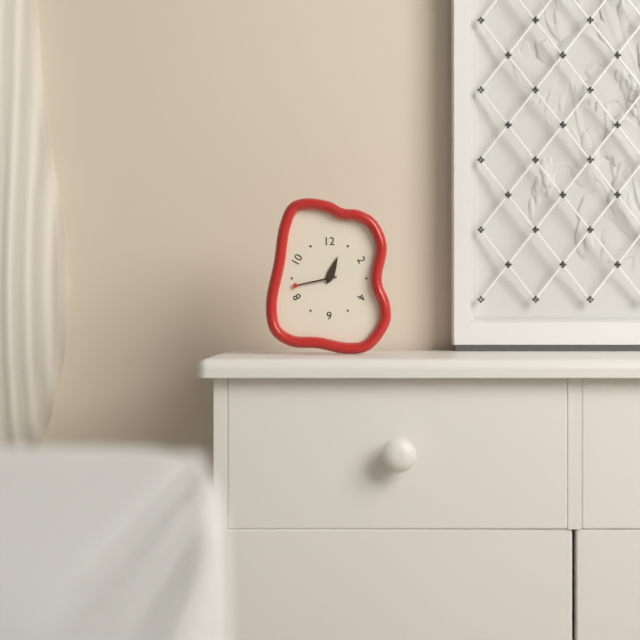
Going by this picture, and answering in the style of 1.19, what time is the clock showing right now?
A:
12.43
